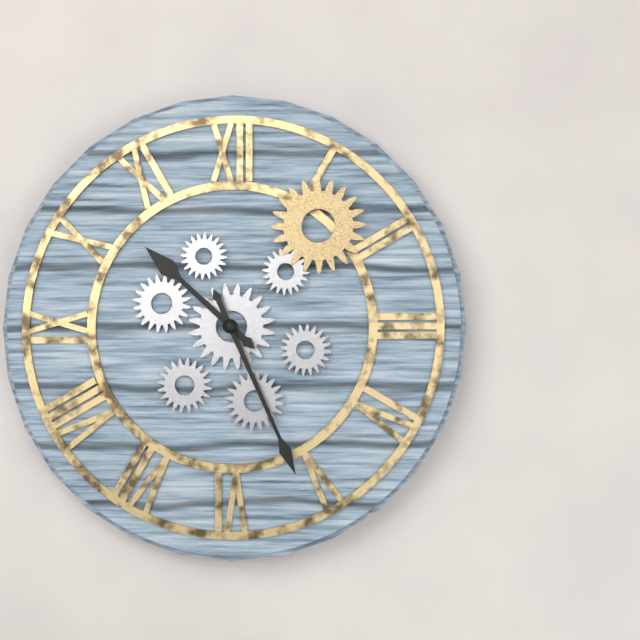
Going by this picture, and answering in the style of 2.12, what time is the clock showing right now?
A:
10.26
